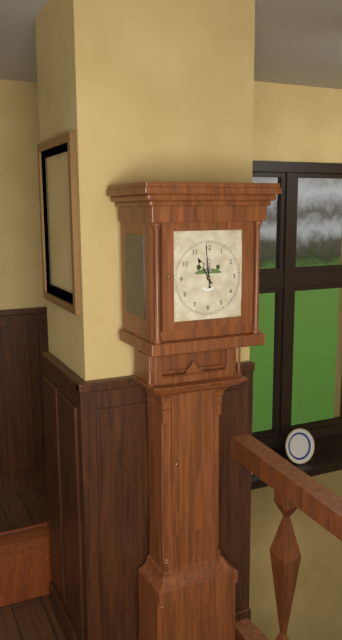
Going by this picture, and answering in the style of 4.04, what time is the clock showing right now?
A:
10.59
